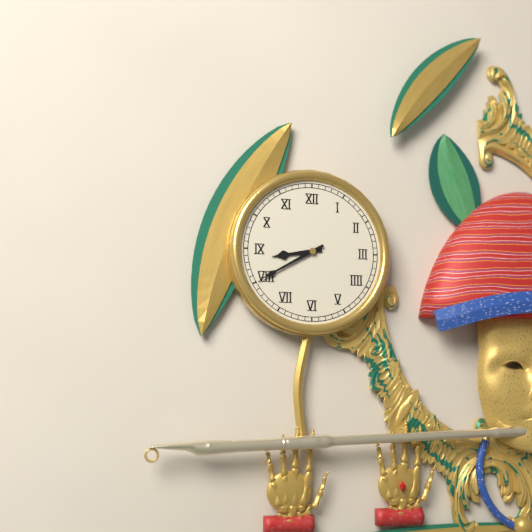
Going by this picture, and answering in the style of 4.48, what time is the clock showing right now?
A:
8.40
